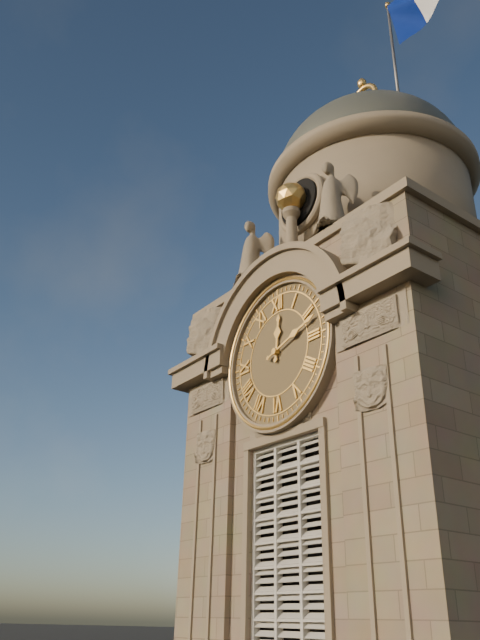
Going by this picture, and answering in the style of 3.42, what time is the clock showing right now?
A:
12.12
